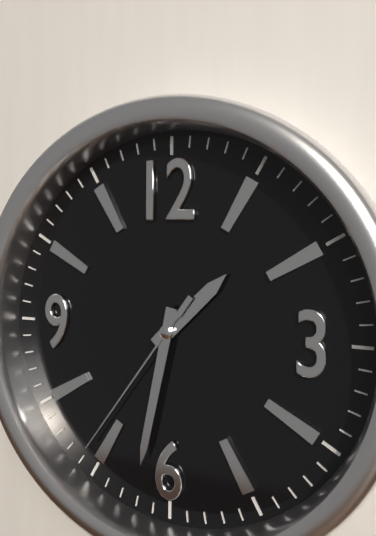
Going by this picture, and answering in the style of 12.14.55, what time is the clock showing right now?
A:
1.32.36
